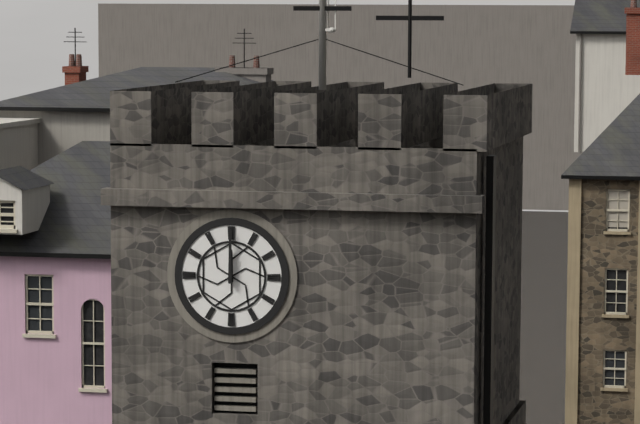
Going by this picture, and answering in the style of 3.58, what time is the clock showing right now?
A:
12.00
